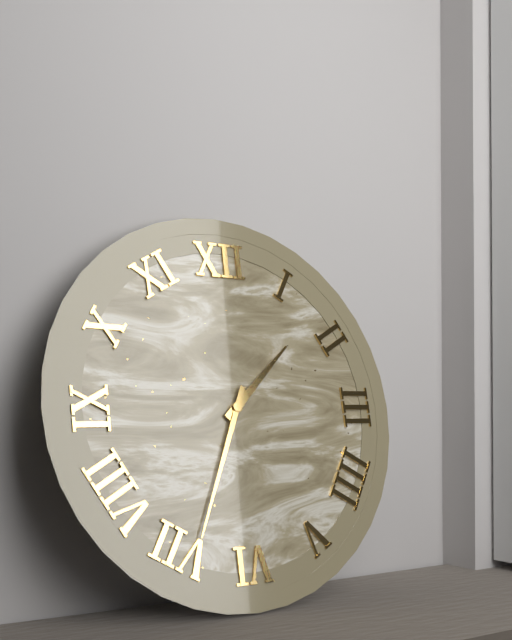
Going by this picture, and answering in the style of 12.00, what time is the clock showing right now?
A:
1.34
